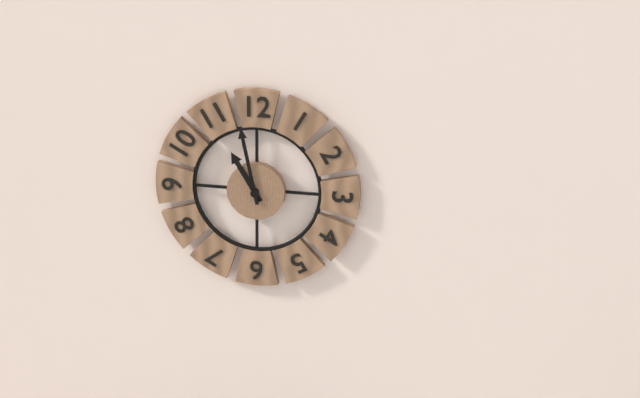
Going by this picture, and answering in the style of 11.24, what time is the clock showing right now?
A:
10.58
